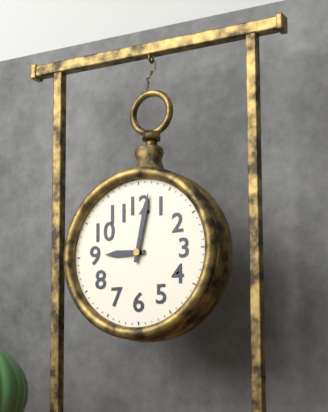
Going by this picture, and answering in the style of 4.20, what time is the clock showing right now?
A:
9.02
